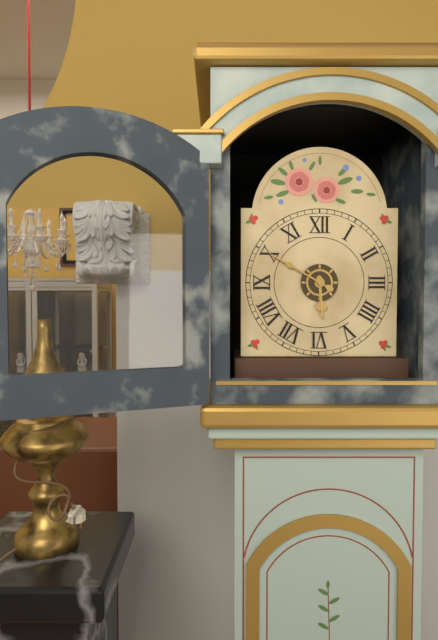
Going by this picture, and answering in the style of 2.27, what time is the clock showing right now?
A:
5.50
